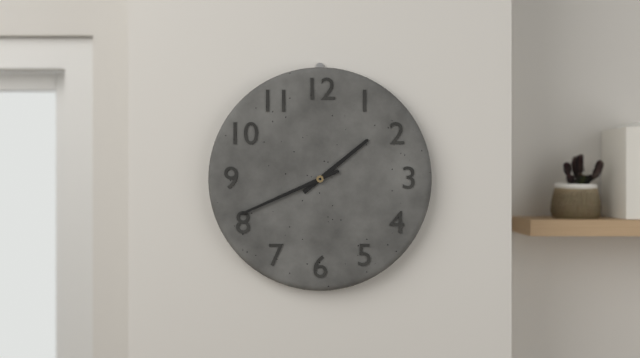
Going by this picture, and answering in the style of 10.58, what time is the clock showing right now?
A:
1.41
